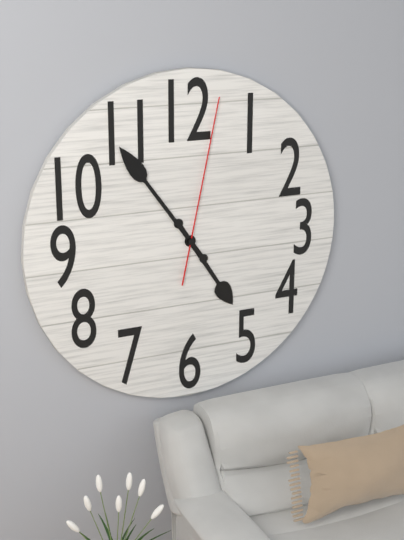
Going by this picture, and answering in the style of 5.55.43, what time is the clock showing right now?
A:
4.54.02
